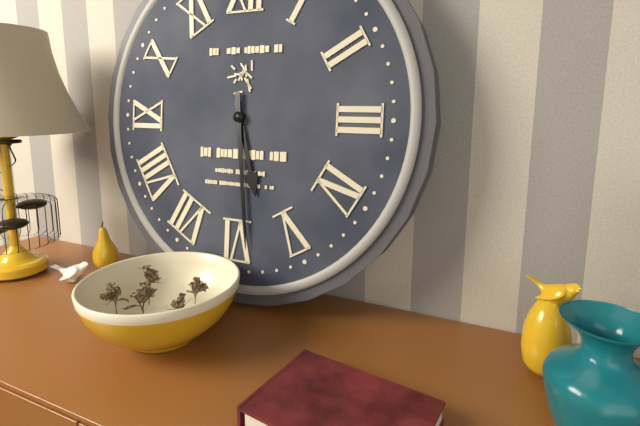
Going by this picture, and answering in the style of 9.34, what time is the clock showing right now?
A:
5.29
